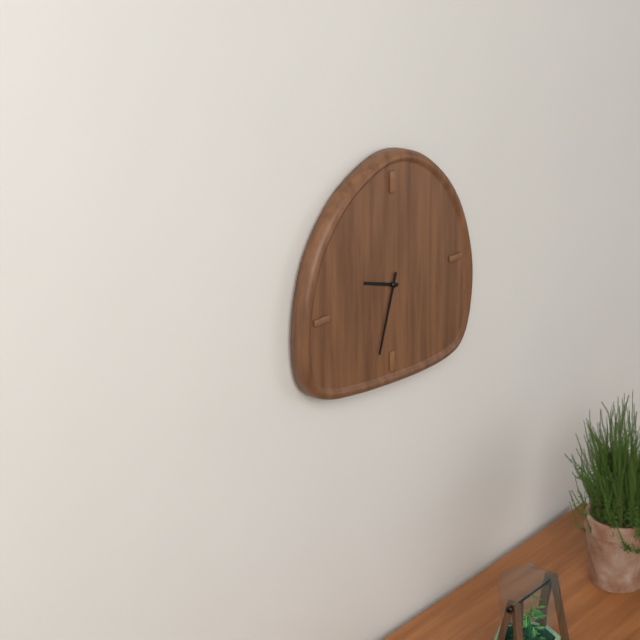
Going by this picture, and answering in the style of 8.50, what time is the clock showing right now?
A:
9.33
